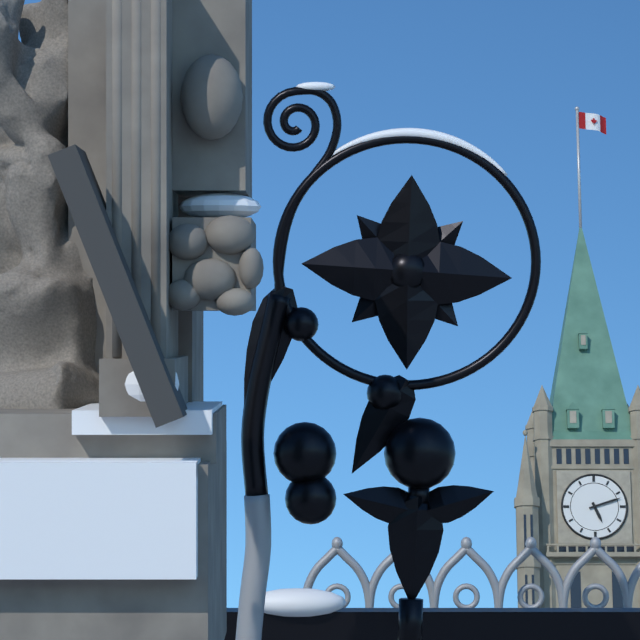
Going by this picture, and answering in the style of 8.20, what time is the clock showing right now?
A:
5.12
